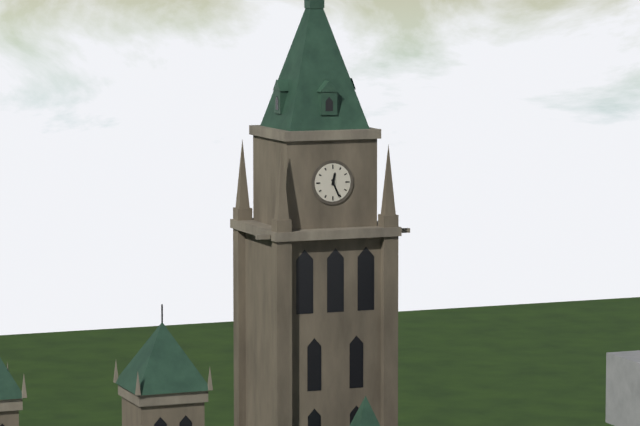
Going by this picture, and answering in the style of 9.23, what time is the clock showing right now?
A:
12.26
